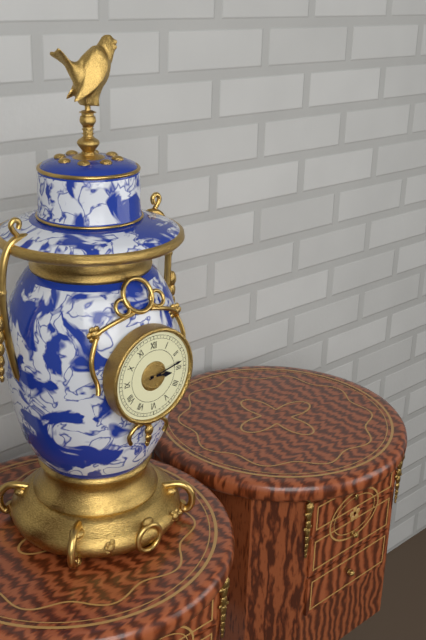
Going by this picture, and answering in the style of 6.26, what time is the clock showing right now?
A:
3.13
